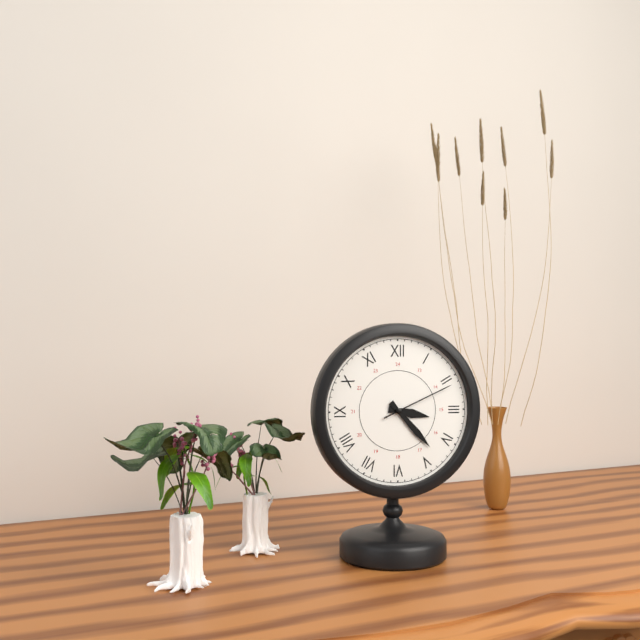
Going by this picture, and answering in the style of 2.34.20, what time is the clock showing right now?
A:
3.23.11
